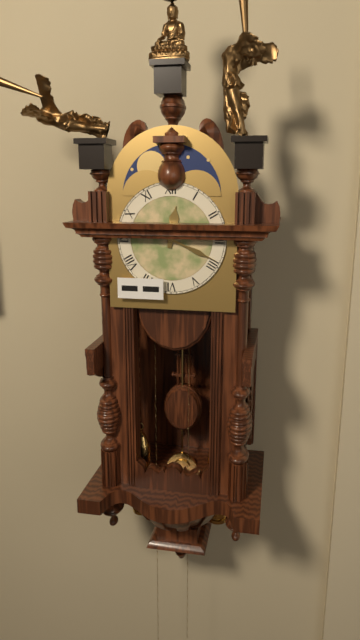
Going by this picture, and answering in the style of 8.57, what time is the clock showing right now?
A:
12.19
